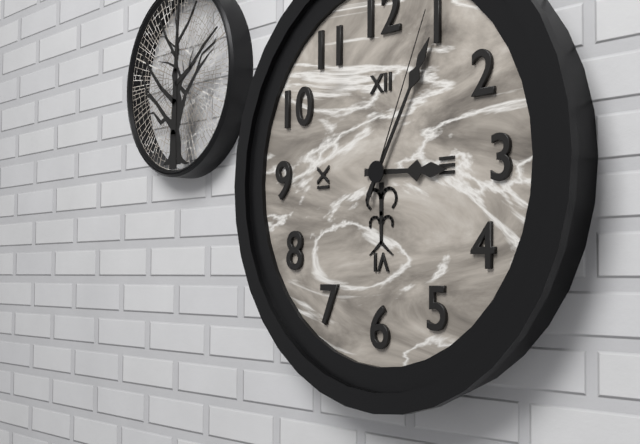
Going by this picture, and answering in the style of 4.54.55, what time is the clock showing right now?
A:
3.05.04
